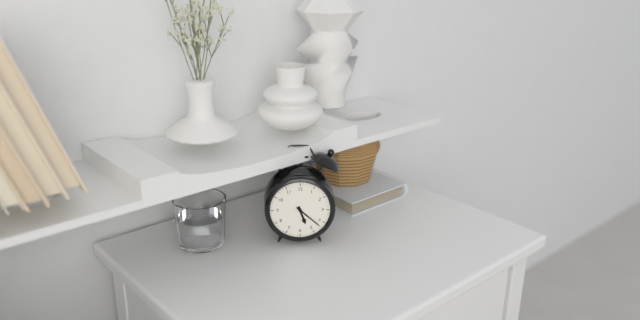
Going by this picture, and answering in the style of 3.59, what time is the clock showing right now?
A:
5.22
